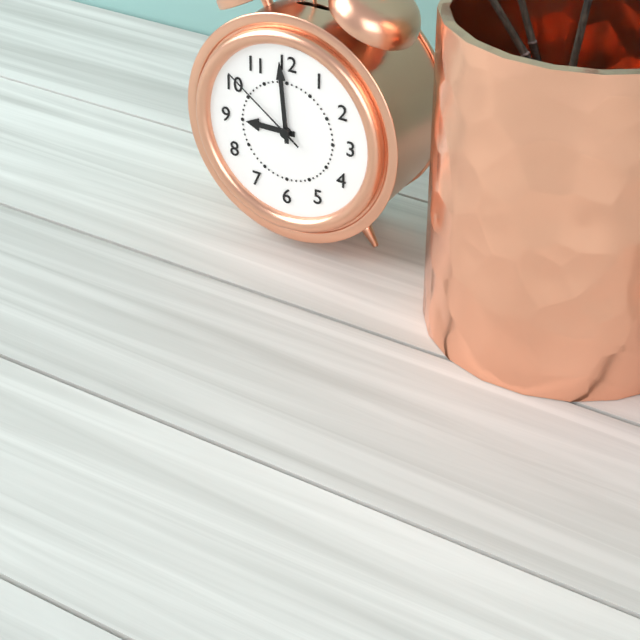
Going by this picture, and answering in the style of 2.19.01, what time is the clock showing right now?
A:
8.59.51
